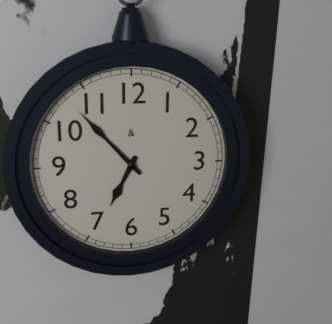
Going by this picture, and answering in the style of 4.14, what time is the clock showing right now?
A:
6.53
